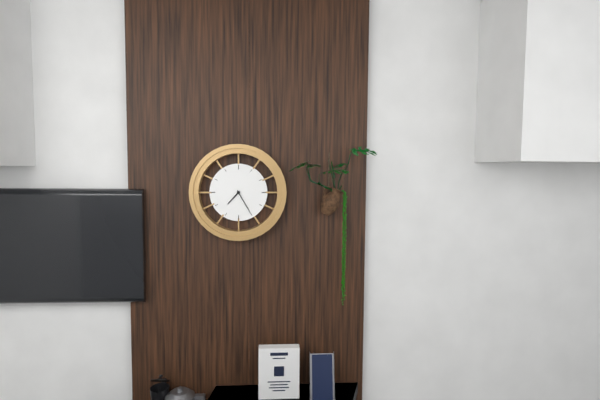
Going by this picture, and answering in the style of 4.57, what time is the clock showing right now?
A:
7.25
